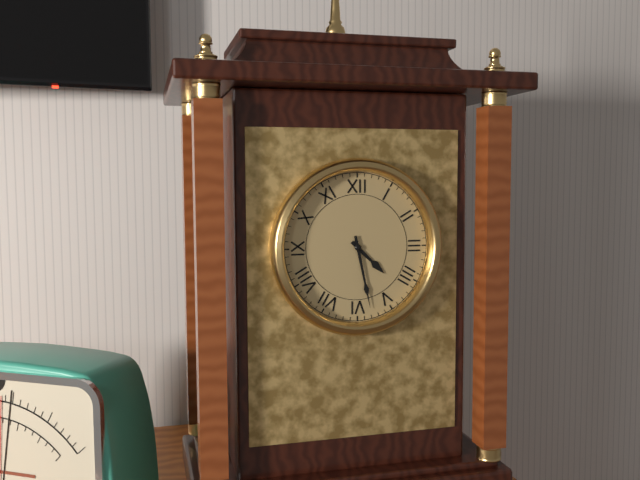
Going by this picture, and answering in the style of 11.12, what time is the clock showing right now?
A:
4.28
